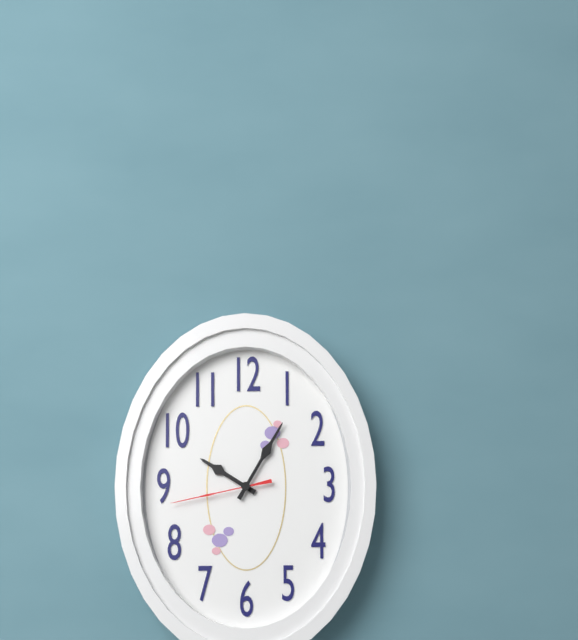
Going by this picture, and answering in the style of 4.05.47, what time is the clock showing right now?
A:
10.05.43
